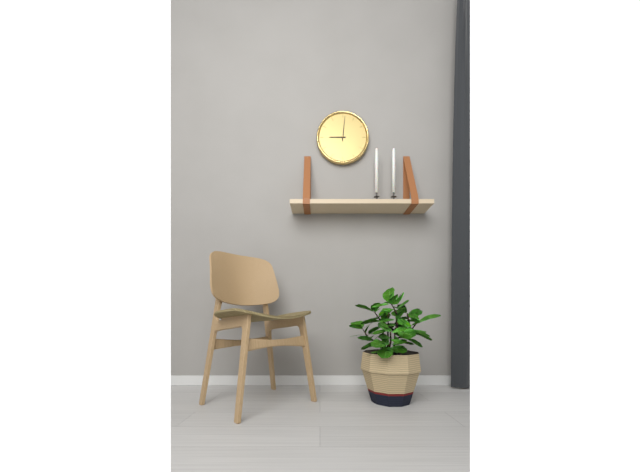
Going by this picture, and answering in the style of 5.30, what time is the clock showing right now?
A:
9.01
